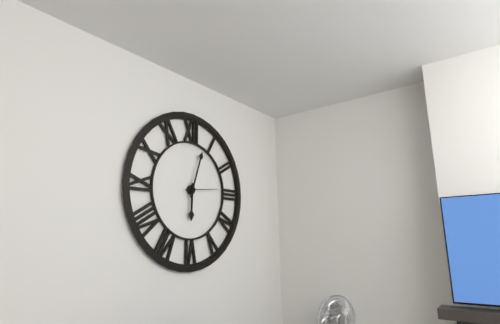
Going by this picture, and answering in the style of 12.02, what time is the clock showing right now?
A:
6.03
